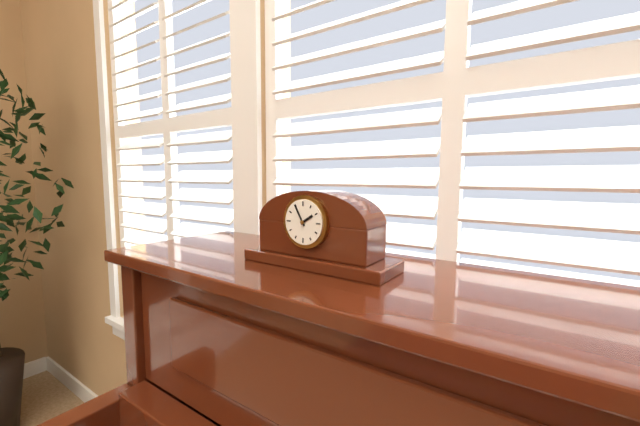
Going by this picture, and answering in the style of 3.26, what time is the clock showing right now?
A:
1.55
